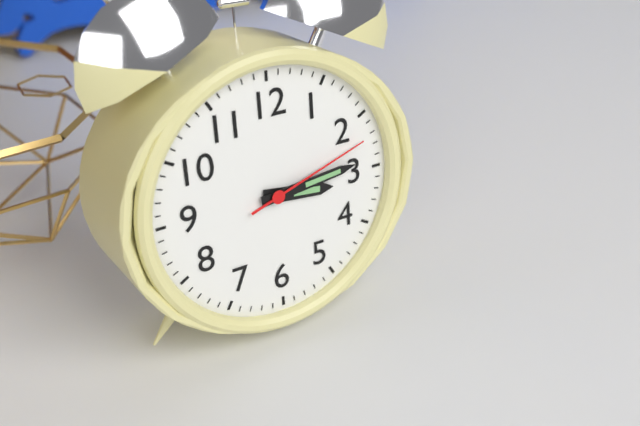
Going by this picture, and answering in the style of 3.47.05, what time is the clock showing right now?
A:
3.14.12
